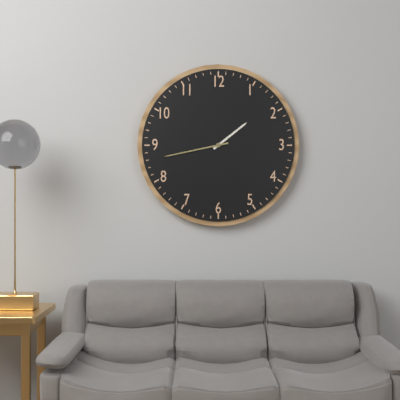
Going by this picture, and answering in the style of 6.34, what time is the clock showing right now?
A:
1.43
